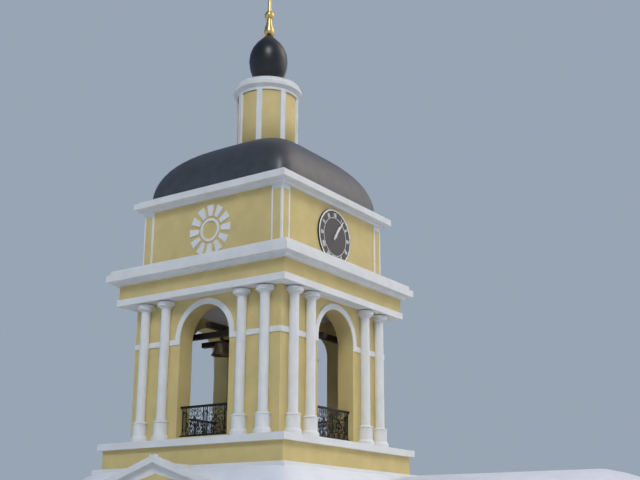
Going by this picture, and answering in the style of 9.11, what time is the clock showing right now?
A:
1.06
